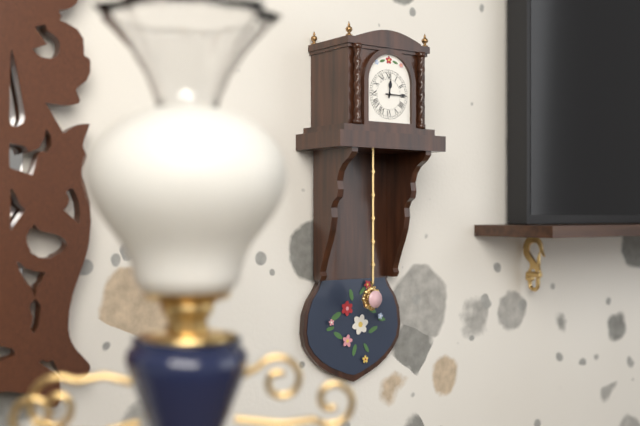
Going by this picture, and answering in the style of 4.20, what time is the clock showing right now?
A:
12.15
